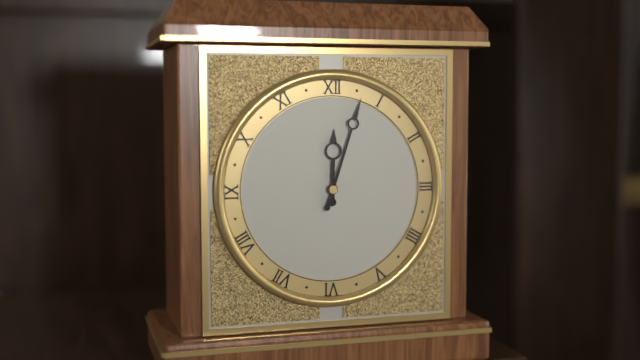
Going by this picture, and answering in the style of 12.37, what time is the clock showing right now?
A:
12.03
